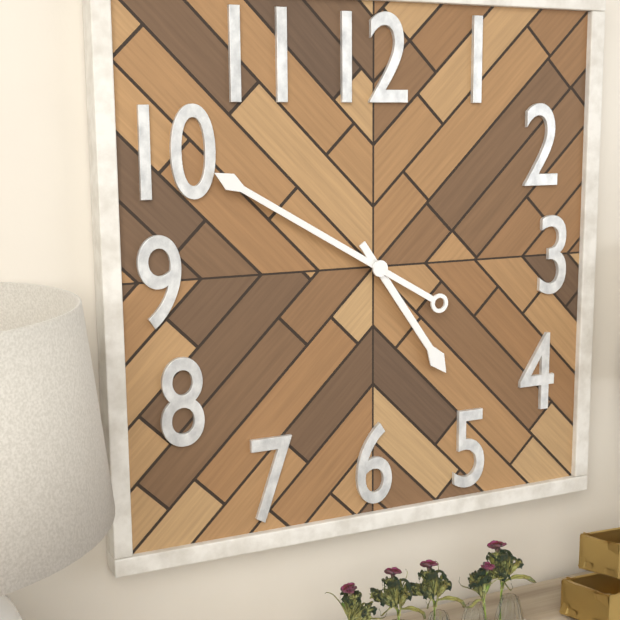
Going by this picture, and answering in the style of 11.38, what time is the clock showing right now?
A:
4.50
